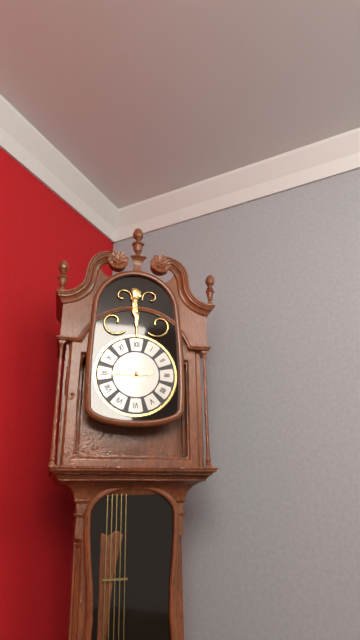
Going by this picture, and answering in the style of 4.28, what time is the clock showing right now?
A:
2.45
